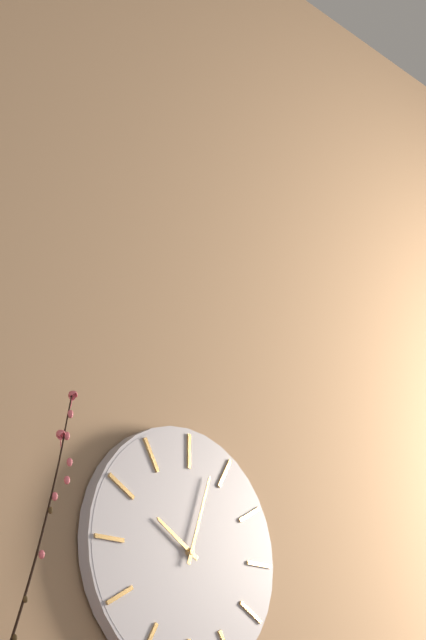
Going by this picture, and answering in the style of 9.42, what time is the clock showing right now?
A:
10.03
